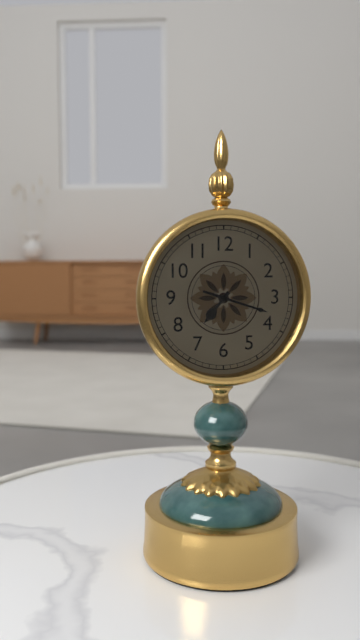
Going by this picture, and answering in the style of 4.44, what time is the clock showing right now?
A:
7.18
